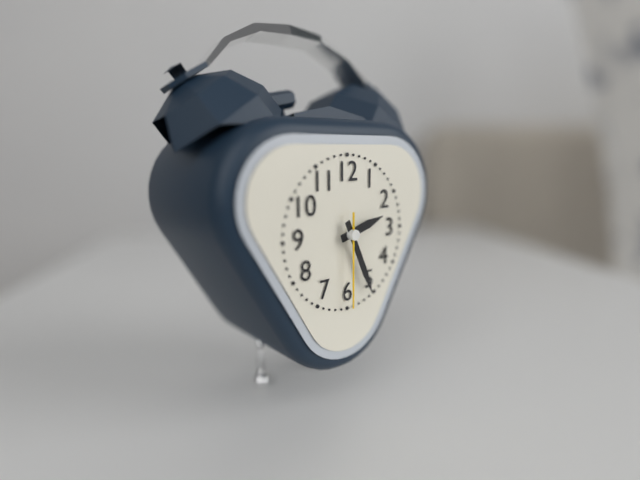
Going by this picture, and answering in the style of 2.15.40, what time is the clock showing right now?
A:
2.26.30
